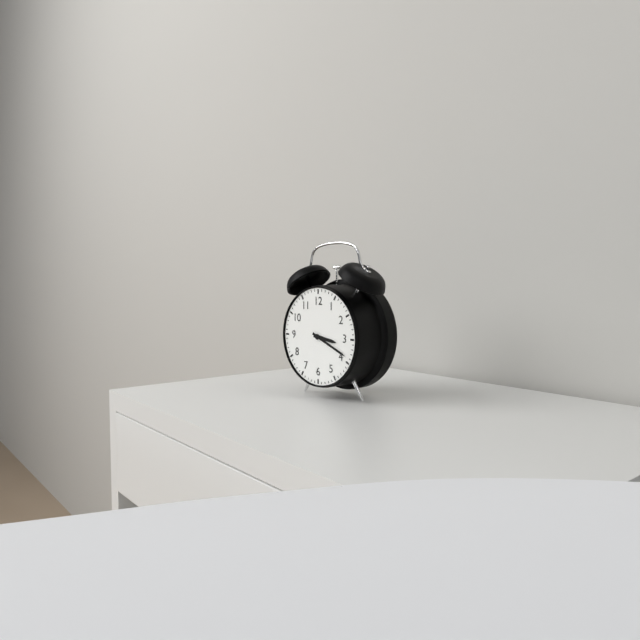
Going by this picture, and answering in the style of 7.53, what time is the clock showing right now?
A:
3.19
